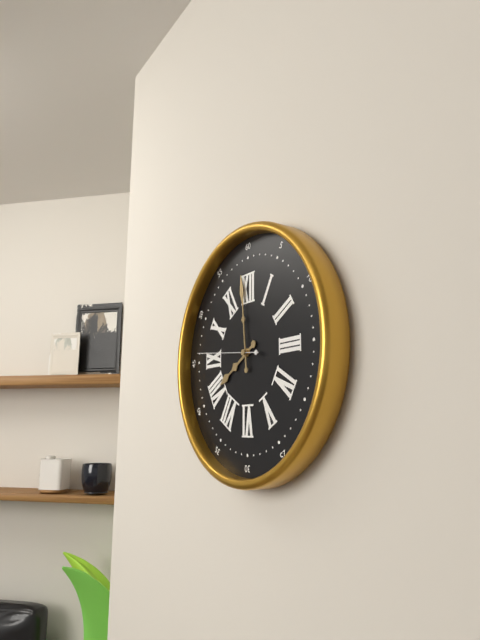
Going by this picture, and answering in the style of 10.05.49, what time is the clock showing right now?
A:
7.59.46
